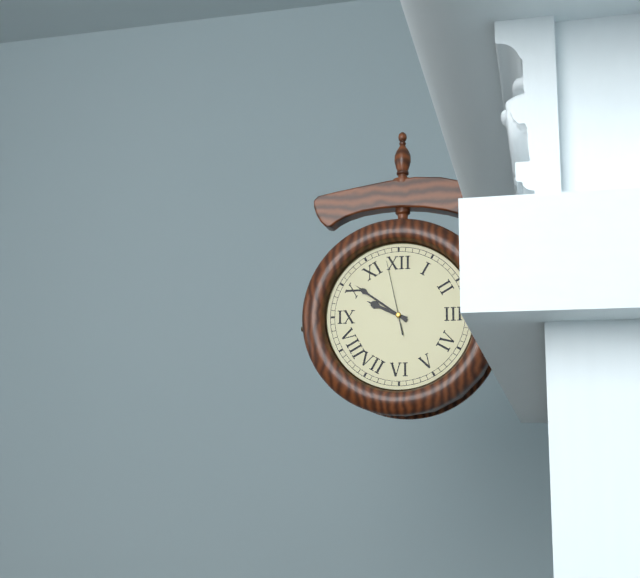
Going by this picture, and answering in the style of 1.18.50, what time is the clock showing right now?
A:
9.51.58
